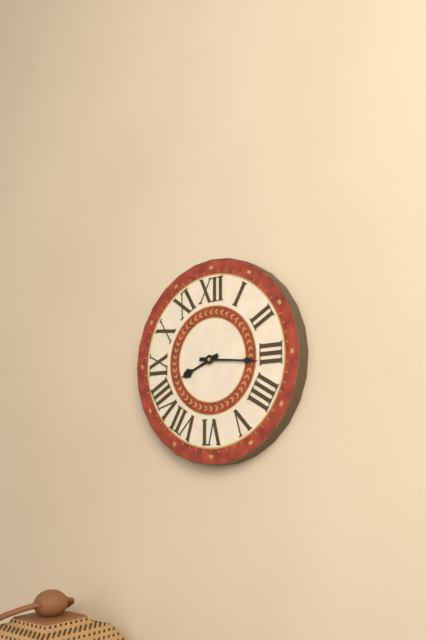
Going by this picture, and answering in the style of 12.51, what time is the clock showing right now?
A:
8.16
